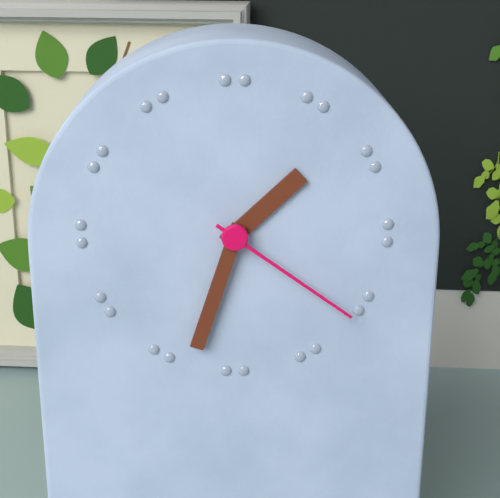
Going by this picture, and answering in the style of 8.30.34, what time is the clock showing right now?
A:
1.33.21
